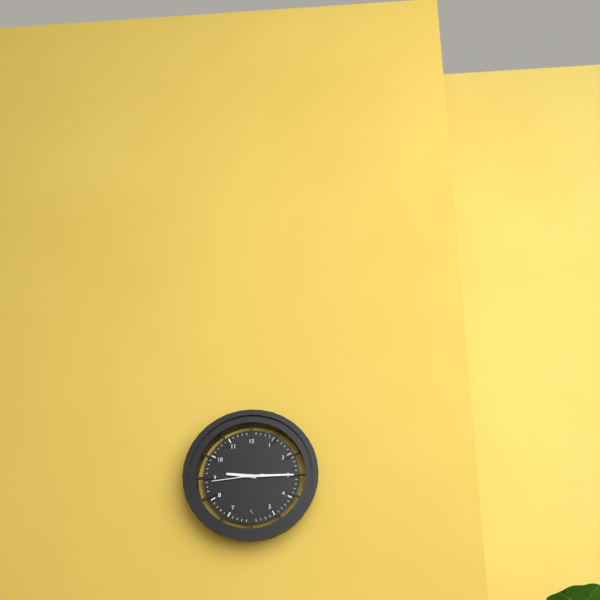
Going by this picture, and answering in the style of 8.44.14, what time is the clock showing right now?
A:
9.15.44
